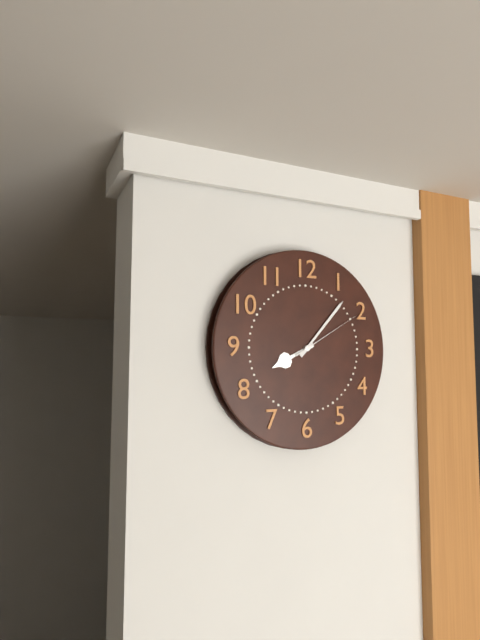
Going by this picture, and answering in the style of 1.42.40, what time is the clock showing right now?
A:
8.07.10
